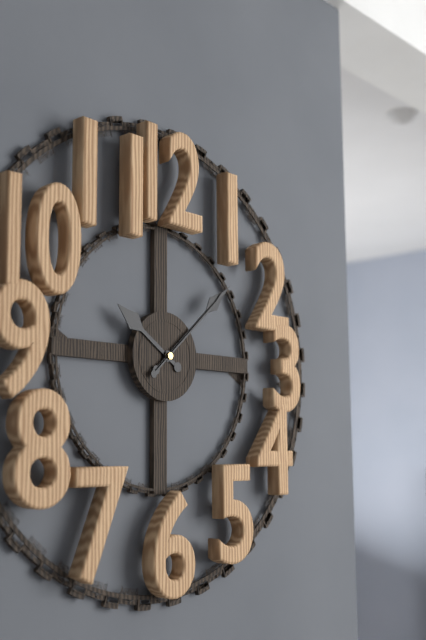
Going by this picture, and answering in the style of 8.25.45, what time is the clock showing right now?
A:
10.08.08
